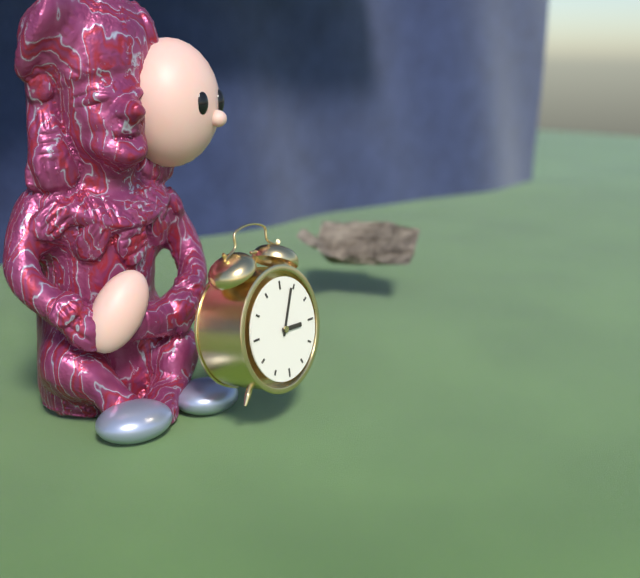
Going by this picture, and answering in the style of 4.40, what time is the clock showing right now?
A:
3.04
